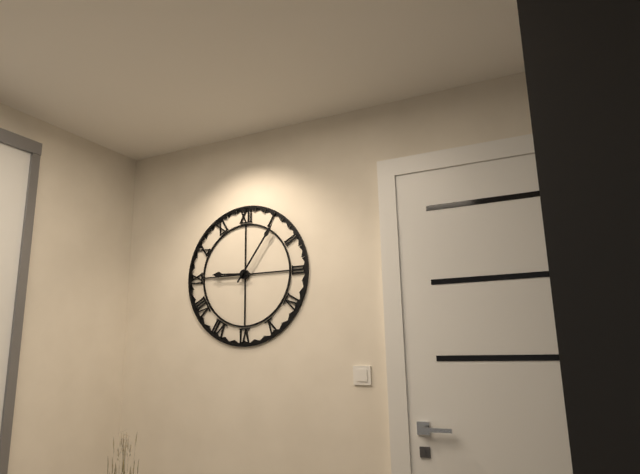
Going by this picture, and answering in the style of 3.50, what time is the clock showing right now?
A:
9.06
